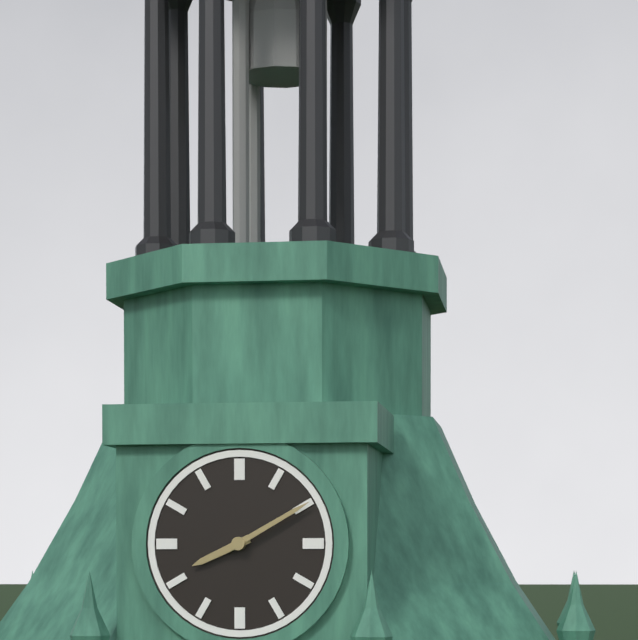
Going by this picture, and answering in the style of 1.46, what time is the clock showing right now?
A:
8.10
